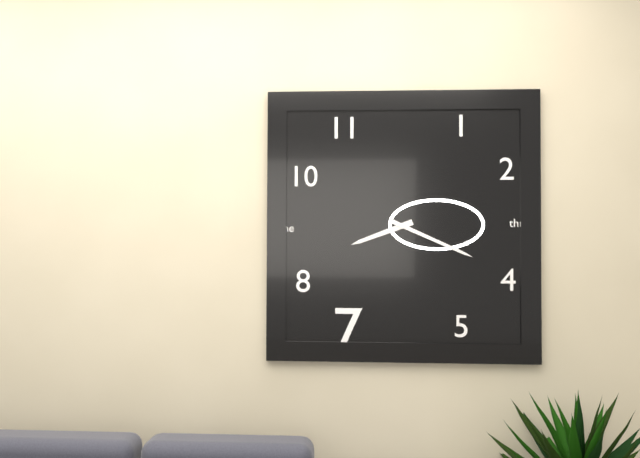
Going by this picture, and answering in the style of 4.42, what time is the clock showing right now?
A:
8.19
